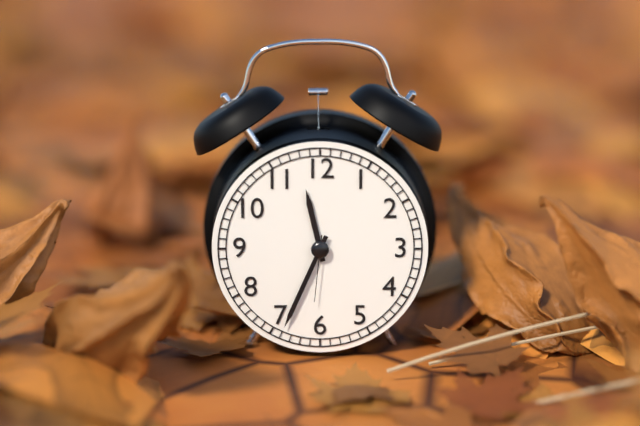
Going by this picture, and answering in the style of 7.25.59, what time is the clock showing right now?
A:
11.34.31
